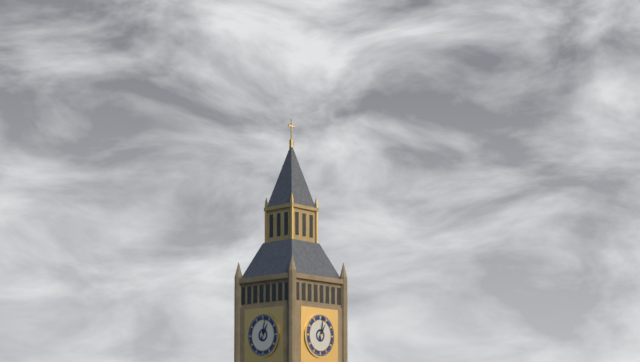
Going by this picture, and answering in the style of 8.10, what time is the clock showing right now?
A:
1.02
